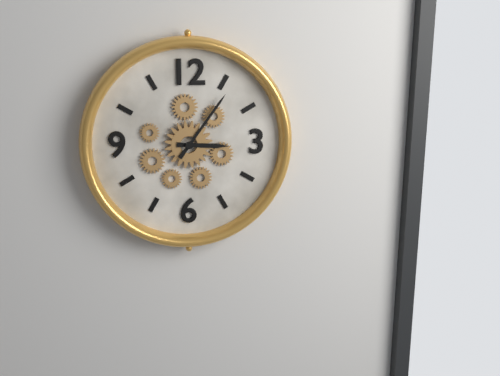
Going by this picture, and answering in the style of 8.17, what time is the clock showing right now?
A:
3.06
